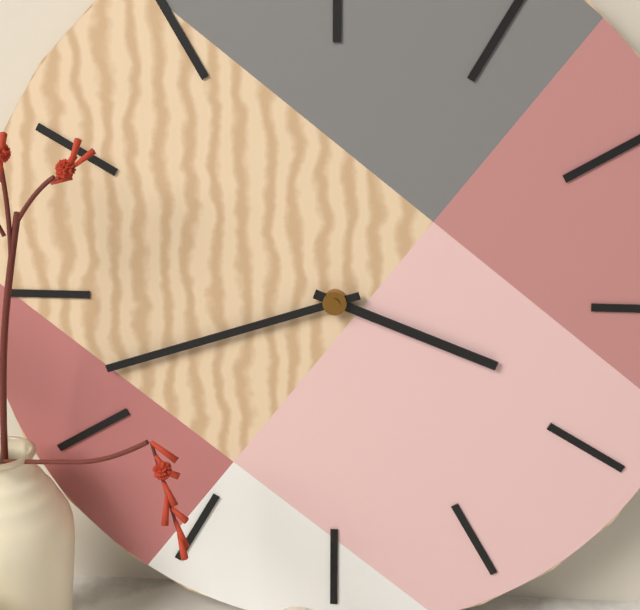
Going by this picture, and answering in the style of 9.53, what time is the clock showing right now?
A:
3.42
